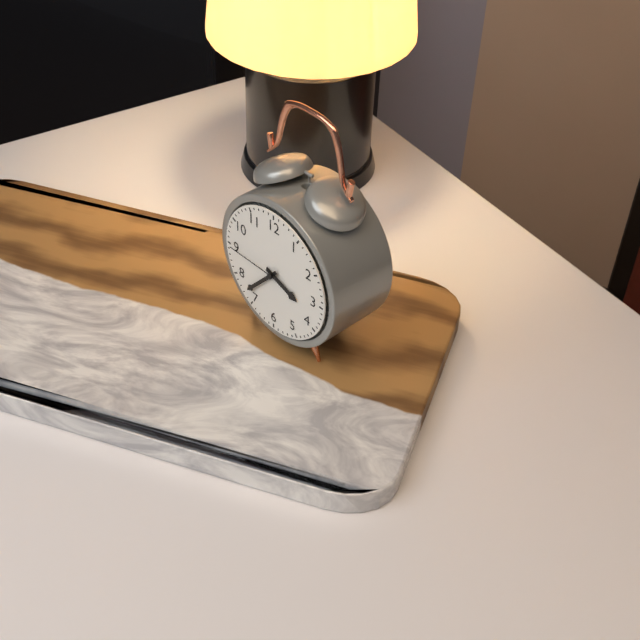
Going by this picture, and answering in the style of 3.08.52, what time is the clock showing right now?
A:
3.37.45
